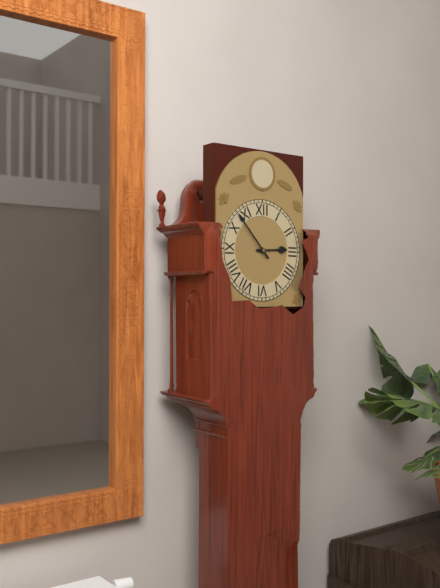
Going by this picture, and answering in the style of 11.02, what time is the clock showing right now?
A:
2.53
